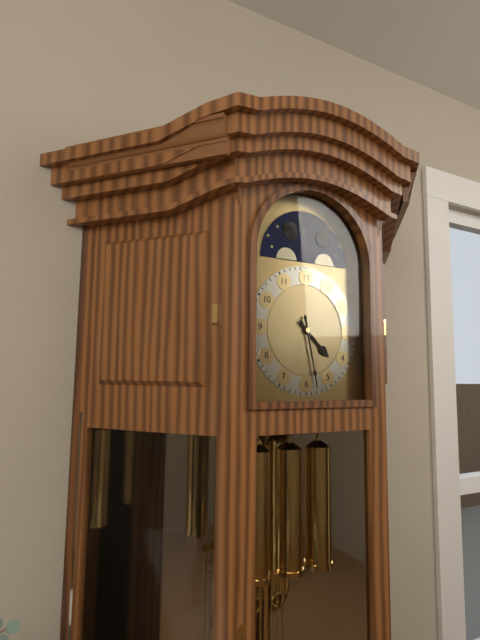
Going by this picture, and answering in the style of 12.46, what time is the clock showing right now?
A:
4.28
